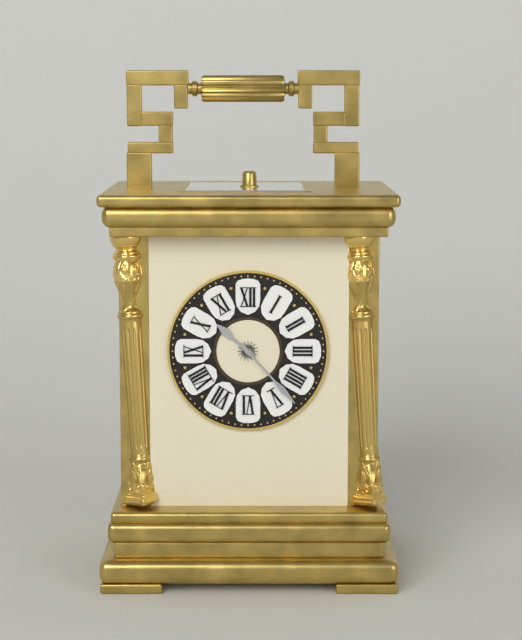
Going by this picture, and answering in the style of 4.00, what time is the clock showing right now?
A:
10.23
